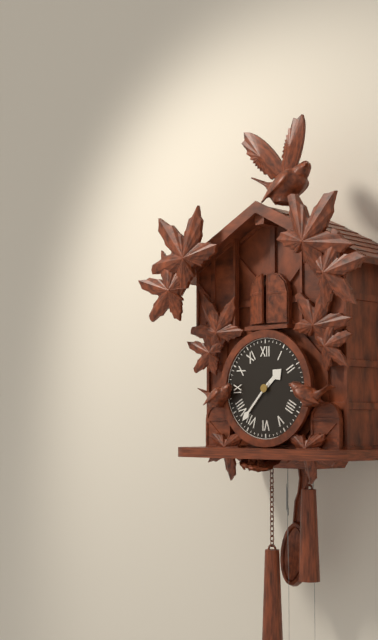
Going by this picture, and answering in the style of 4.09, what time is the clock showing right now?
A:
1.37
